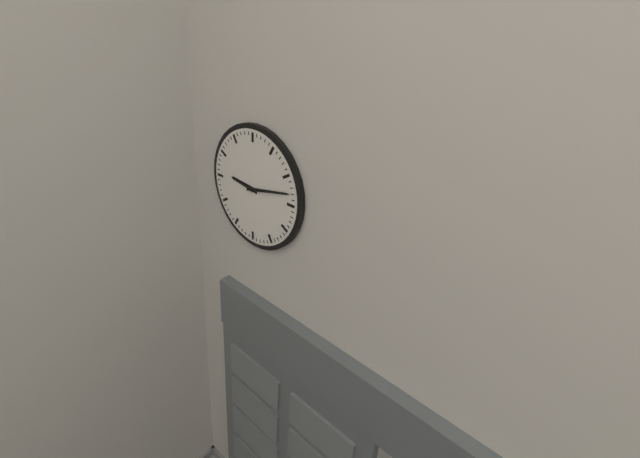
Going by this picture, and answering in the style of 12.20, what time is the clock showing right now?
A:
9.13
